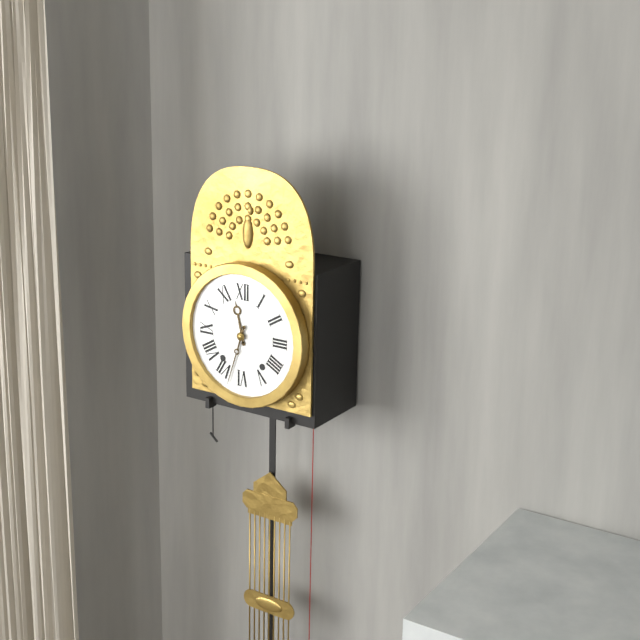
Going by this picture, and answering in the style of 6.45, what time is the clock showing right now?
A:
11.33
